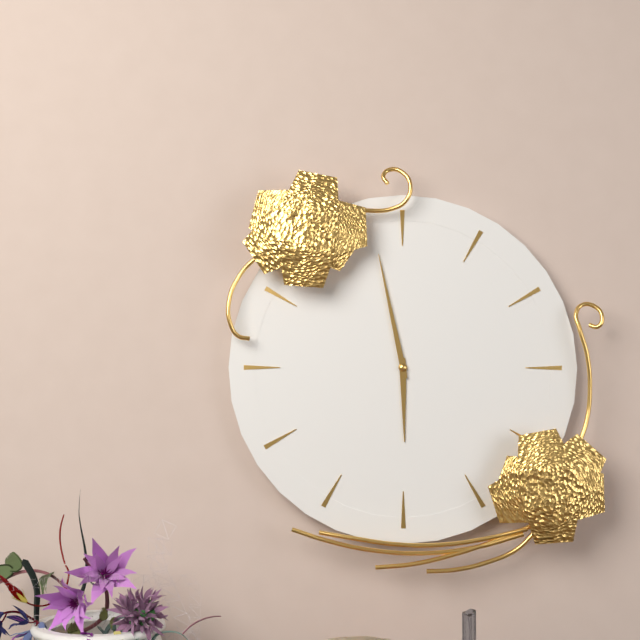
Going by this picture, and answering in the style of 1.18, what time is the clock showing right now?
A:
5.58
